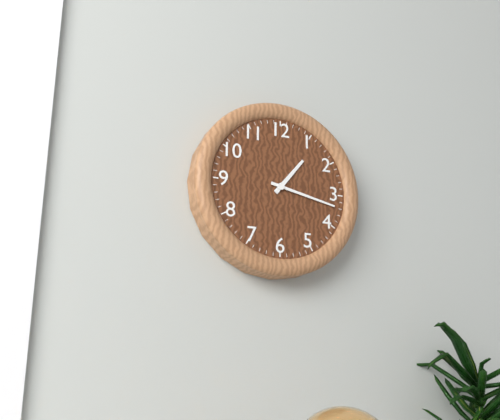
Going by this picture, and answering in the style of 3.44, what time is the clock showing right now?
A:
1.17
